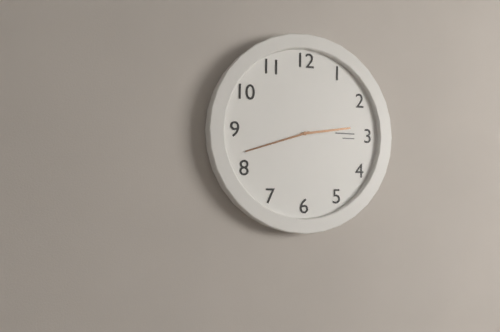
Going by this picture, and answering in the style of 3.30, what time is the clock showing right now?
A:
2.42
